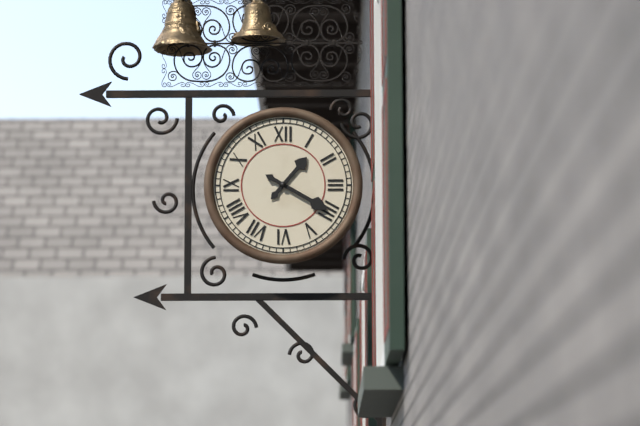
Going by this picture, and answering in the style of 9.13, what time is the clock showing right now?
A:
1.20
